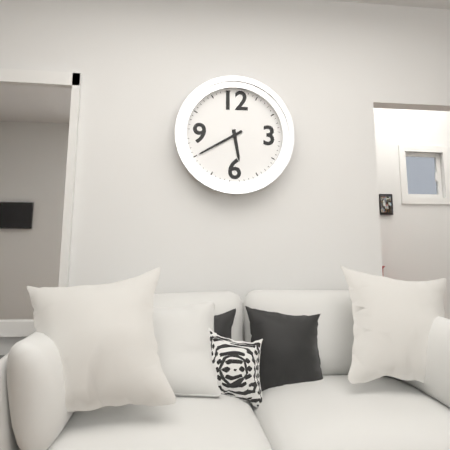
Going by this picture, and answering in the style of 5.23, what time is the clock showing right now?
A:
5.40
